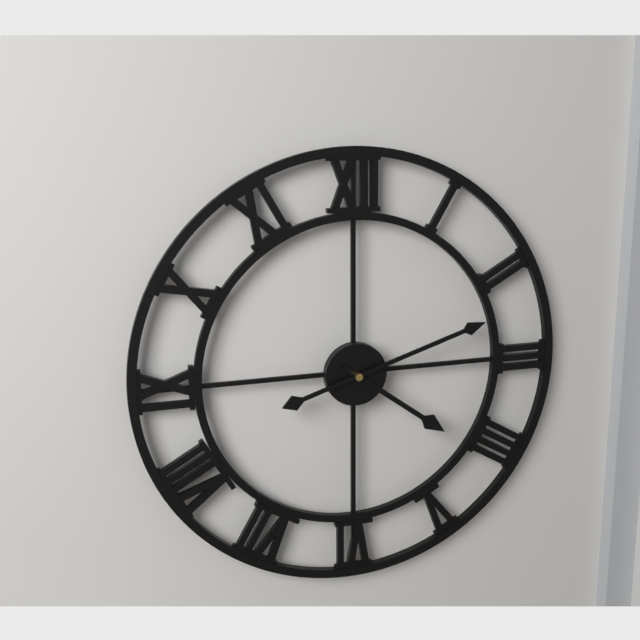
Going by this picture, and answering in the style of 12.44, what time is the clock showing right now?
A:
4.12
